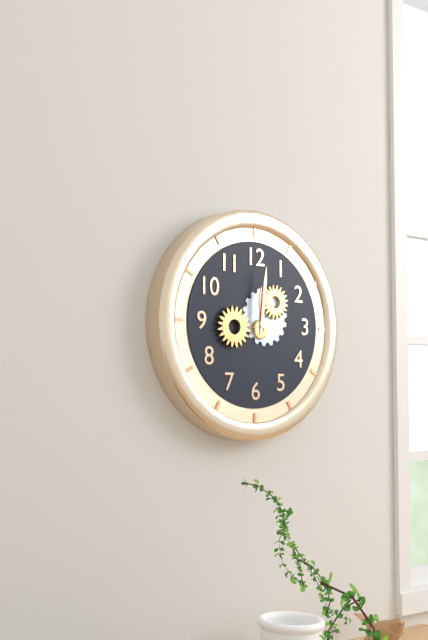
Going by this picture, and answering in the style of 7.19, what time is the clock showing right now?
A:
12.01
